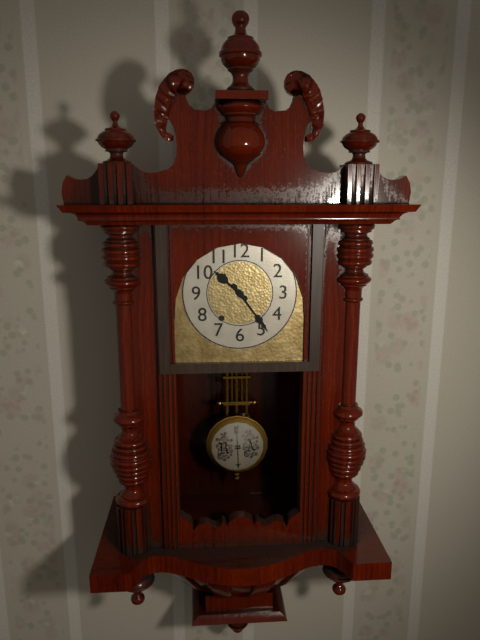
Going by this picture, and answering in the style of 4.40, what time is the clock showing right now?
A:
10.24
